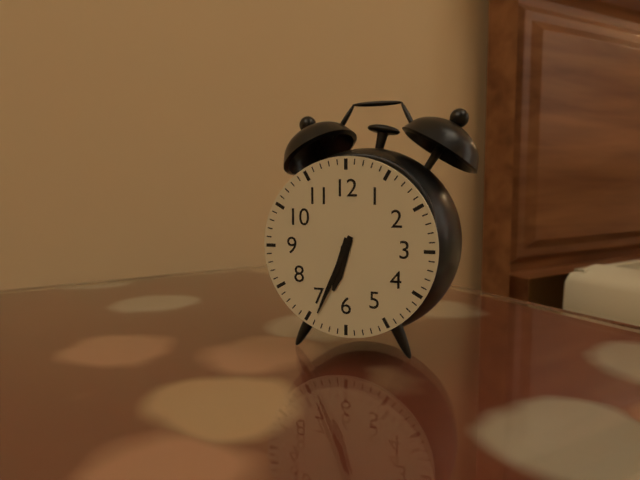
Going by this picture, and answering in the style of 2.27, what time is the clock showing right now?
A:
6.34
